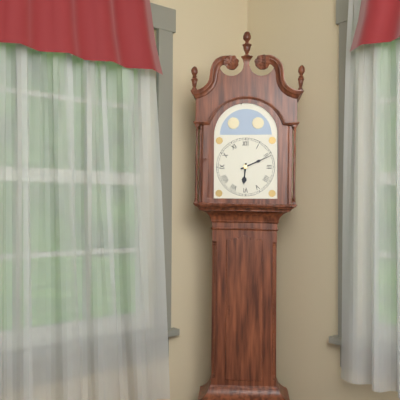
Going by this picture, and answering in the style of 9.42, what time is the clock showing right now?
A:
6.11
